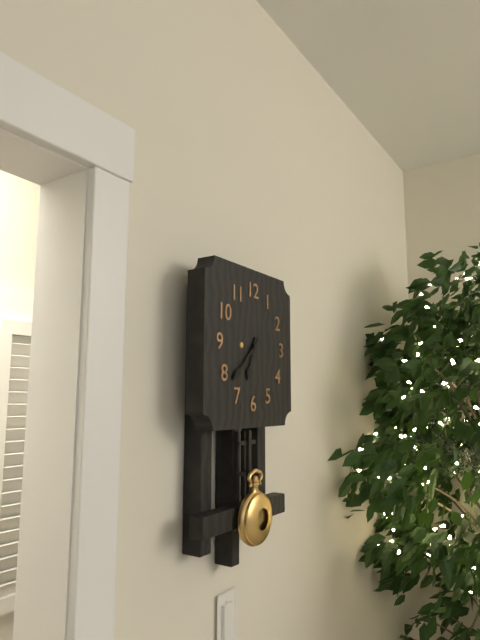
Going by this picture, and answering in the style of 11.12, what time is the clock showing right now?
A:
6.38
